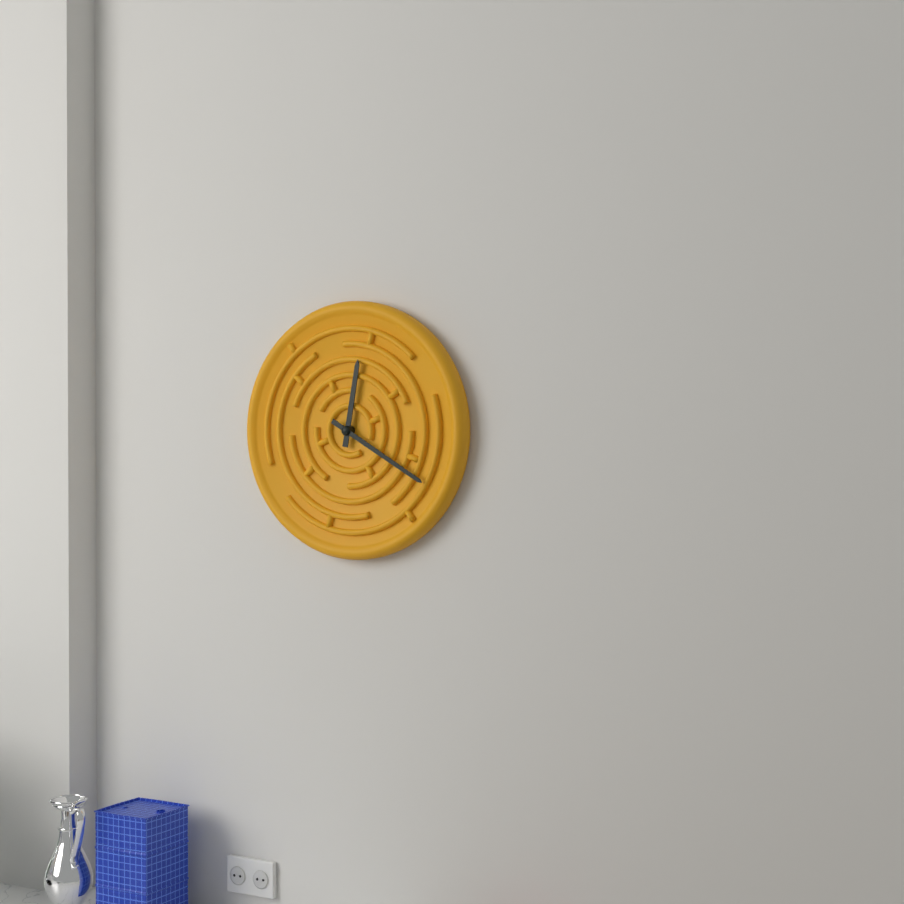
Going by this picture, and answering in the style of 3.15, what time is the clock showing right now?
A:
12.20
